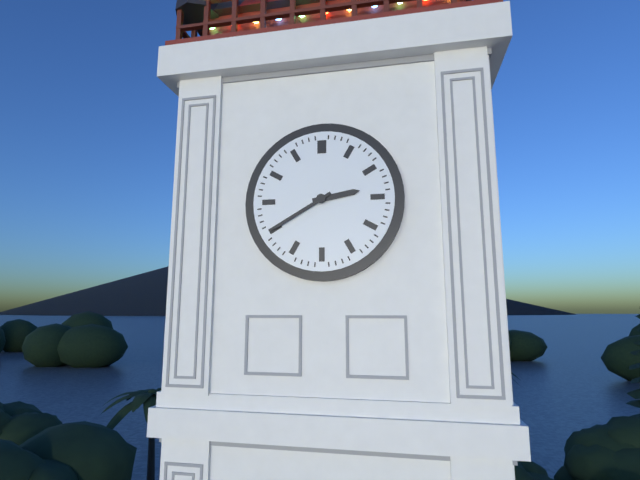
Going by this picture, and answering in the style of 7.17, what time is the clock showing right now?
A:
2.40
